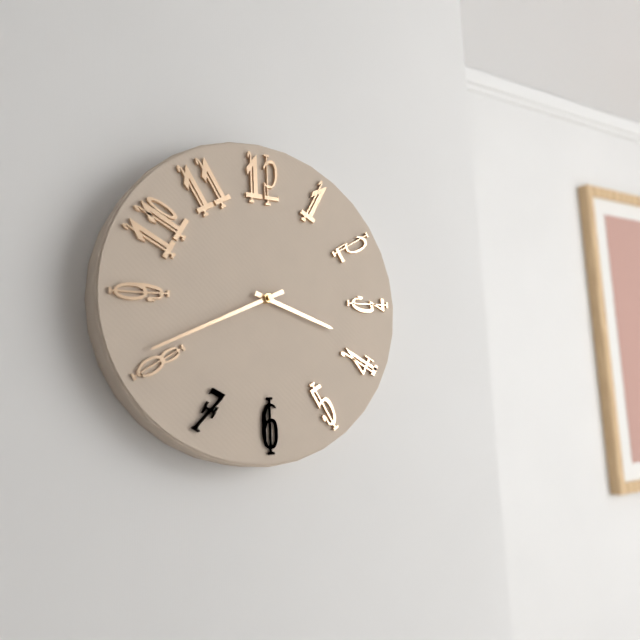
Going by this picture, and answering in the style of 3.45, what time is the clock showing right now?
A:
3.41
